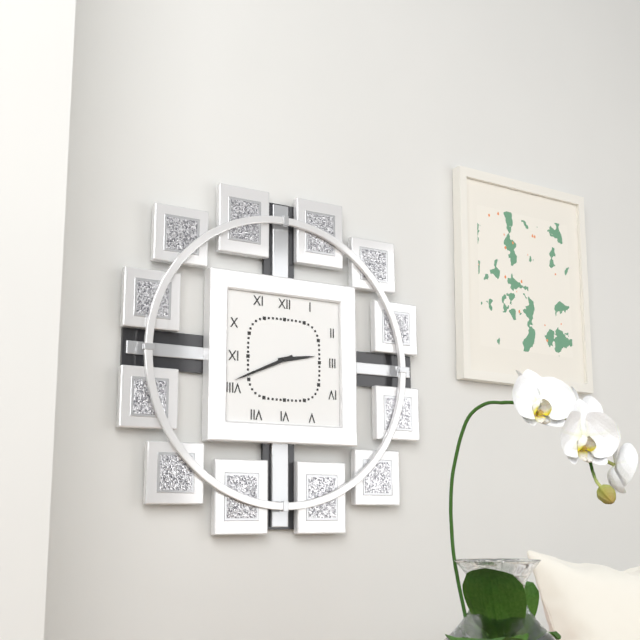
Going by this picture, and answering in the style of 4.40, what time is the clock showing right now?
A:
2.41
